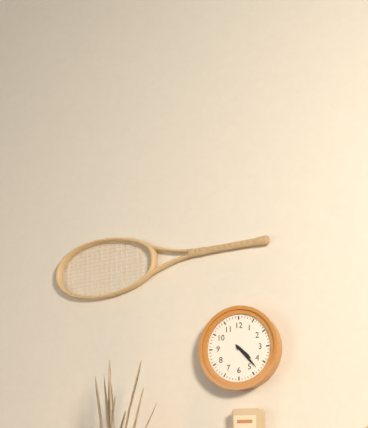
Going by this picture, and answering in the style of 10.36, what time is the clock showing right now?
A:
4.23
